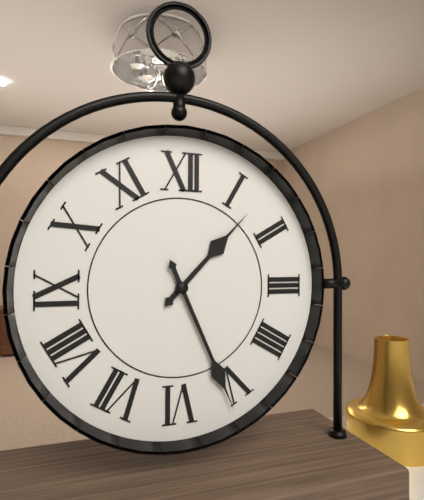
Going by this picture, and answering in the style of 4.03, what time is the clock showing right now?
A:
1.26
